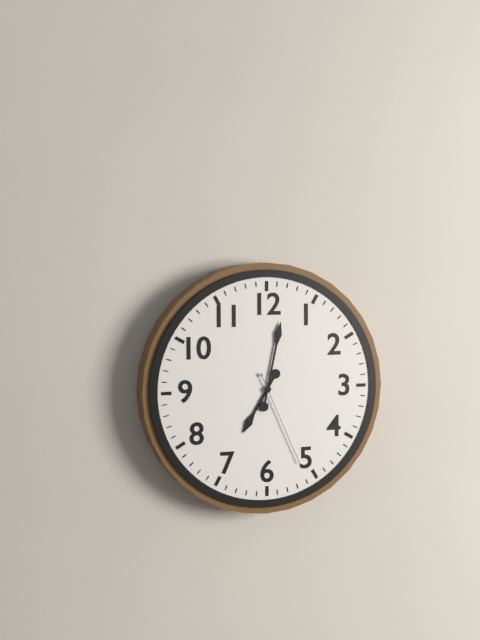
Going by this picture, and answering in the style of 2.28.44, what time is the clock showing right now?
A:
7.02.26
